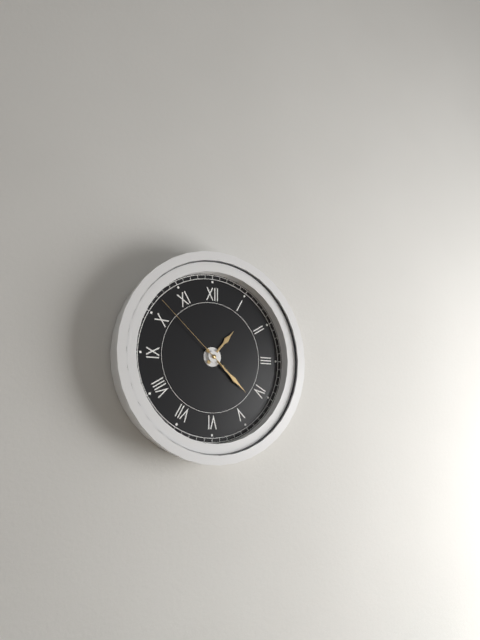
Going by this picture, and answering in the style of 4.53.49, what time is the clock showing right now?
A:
1.22.52
